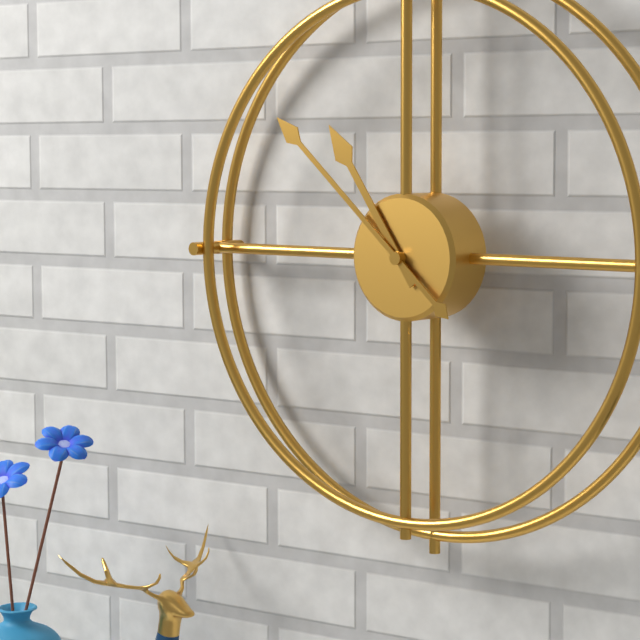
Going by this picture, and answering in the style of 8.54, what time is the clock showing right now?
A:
10.52
